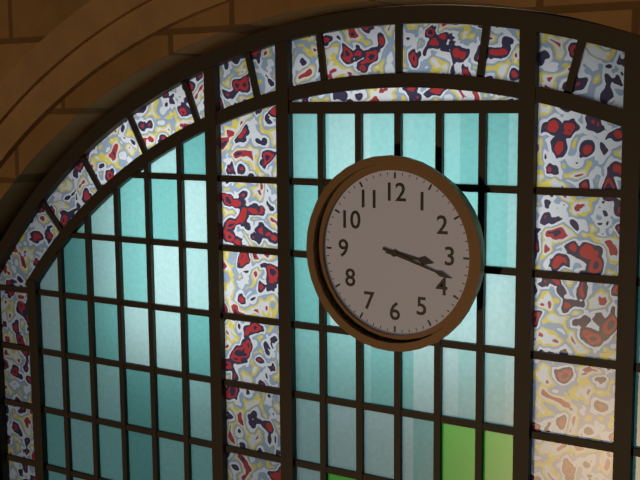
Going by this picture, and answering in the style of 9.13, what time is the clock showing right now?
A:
3.18
